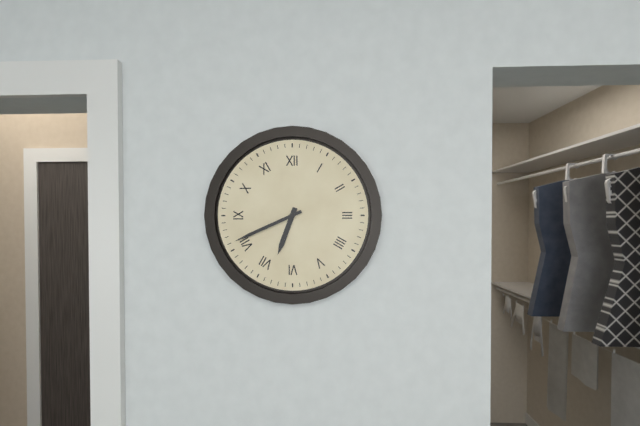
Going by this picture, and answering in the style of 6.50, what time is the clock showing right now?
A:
6.41
